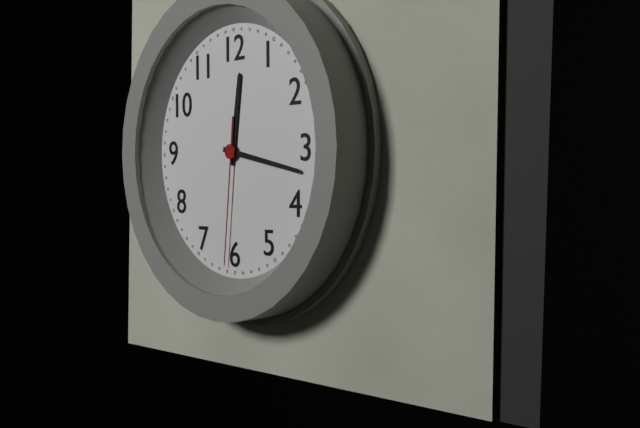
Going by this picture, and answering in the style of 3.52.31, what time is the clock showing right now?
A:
12.17.31
